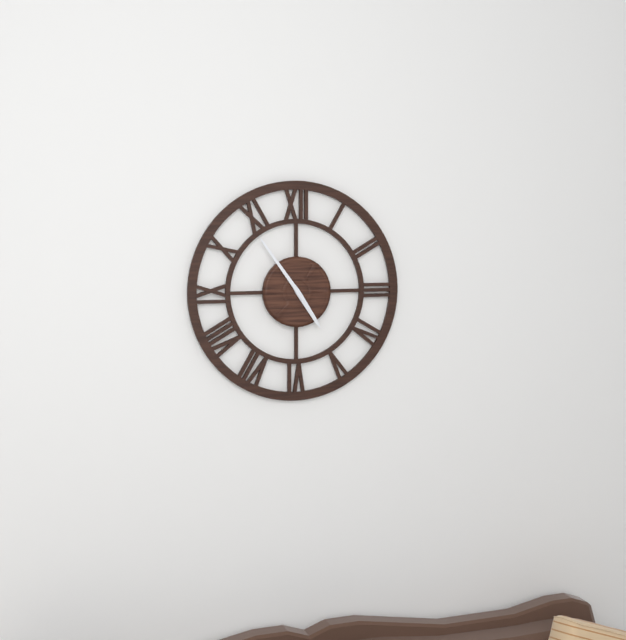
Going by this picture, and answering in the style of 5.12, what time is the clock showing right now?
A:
4.54
